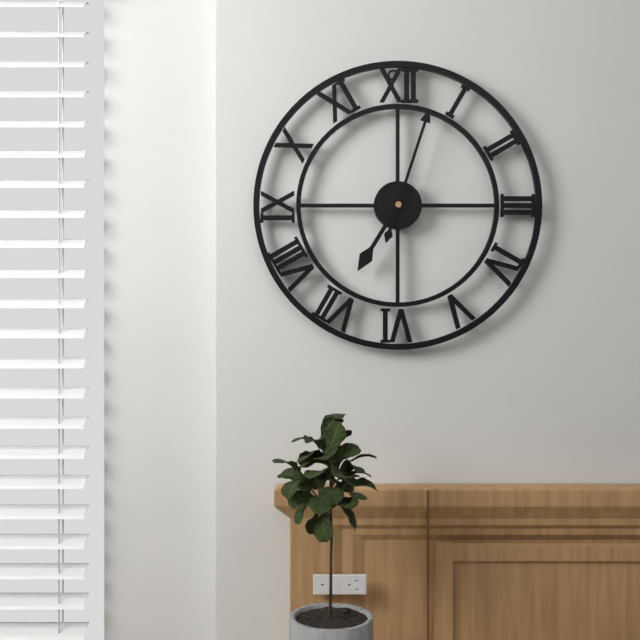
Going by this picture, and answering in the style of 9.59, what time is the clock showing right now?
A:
7.03
